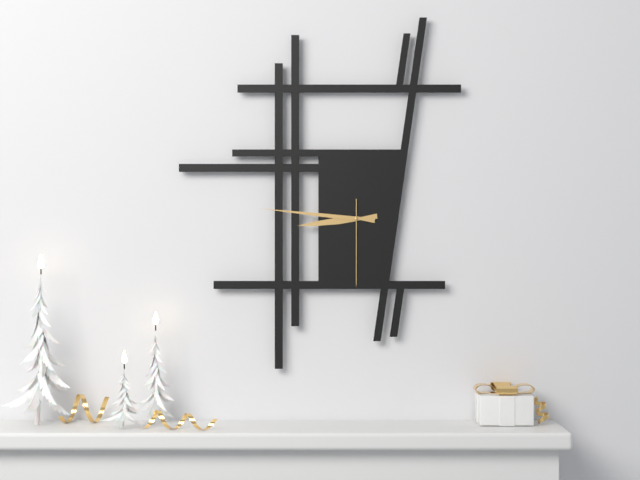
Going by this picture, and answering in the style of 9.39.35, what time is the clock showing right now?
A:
8.46.30
